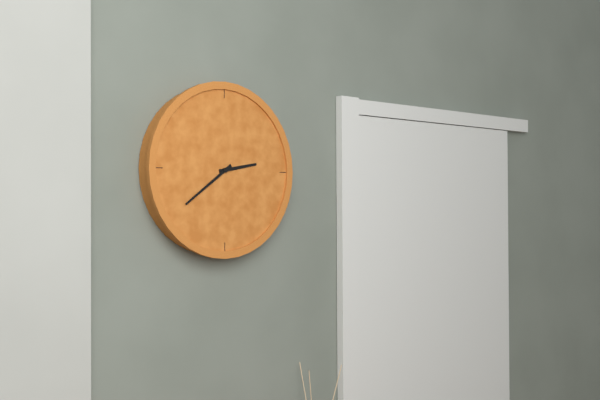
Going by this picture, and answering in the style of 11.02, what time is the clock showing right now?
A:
2.39
